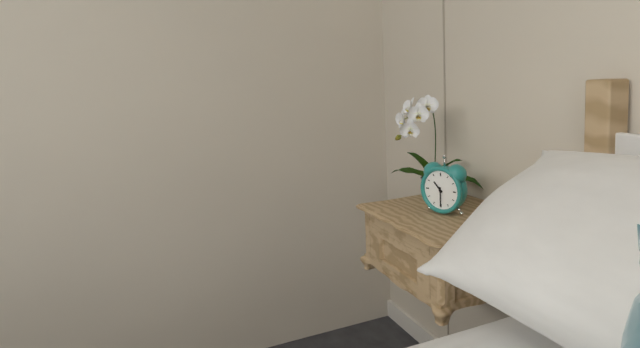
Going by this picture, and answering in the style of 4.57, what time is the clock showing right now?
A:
10.30
